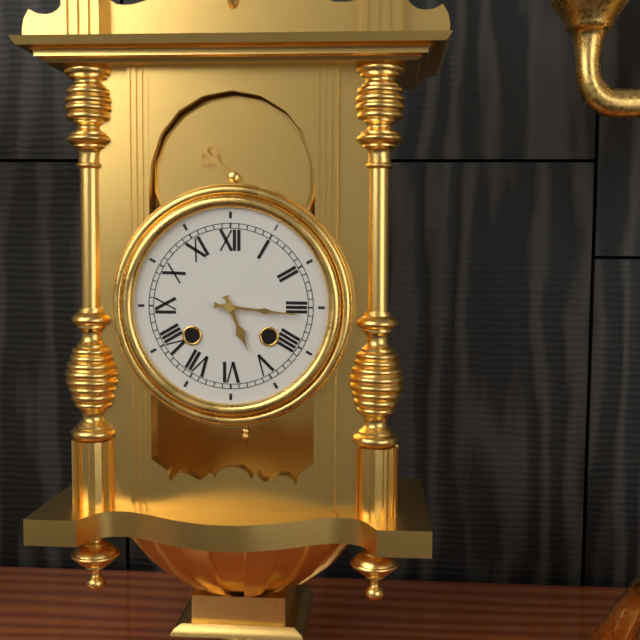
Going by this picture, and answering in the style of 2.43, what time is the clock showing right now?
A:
5.16
